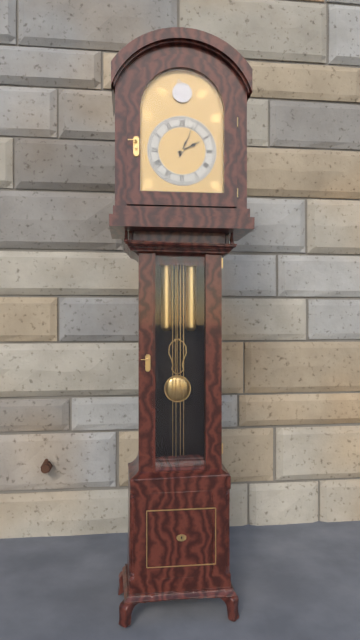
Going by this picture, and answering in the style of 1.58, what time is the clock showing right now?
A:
2.04
